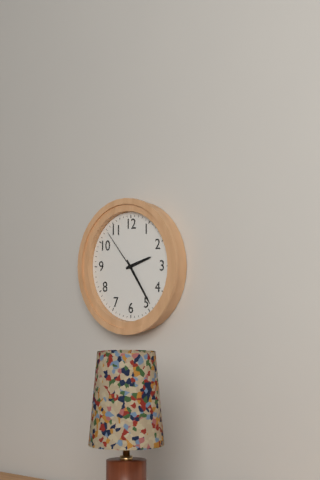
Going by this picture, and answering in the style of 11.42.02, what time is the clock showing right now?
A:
2.24.53
